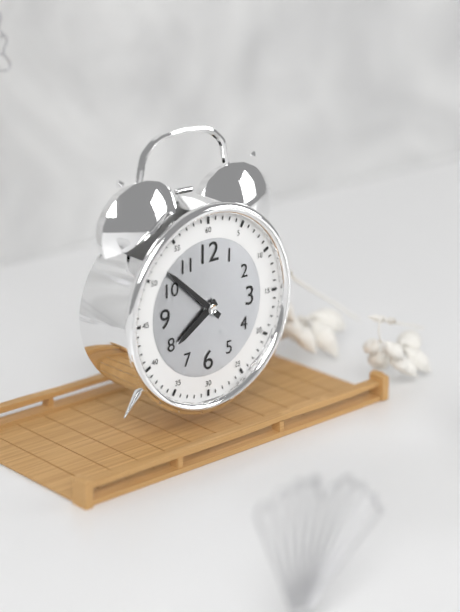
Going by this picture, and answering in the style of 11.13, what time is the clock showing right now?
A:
7.52
